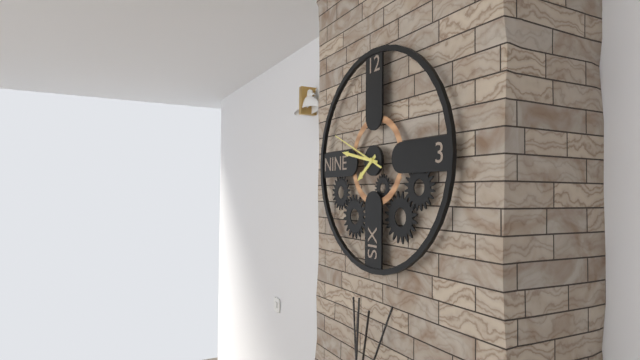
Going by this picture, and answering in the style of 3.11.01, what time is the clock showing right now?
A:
7.47.49
